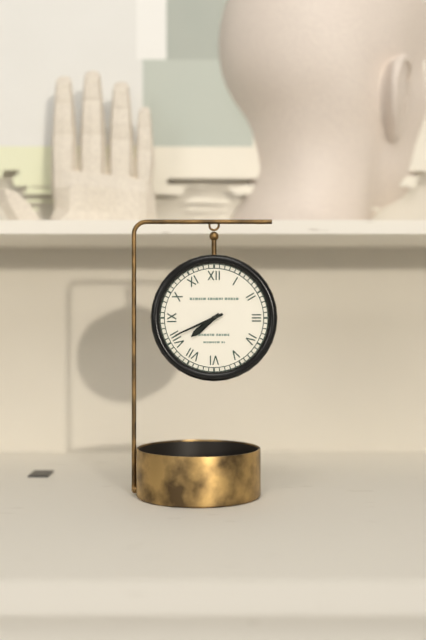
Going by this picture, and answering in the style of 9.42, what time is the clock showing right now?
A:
7.41
